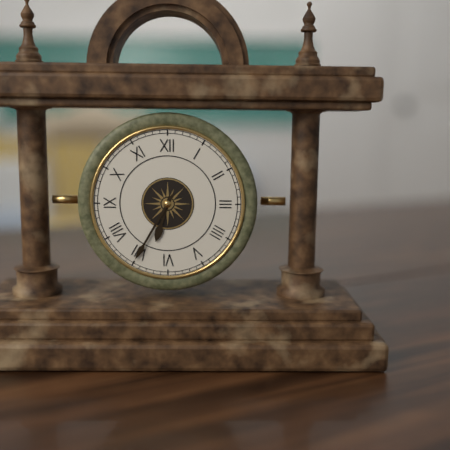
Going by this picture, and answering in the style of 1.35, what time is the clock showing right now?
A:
6.35
